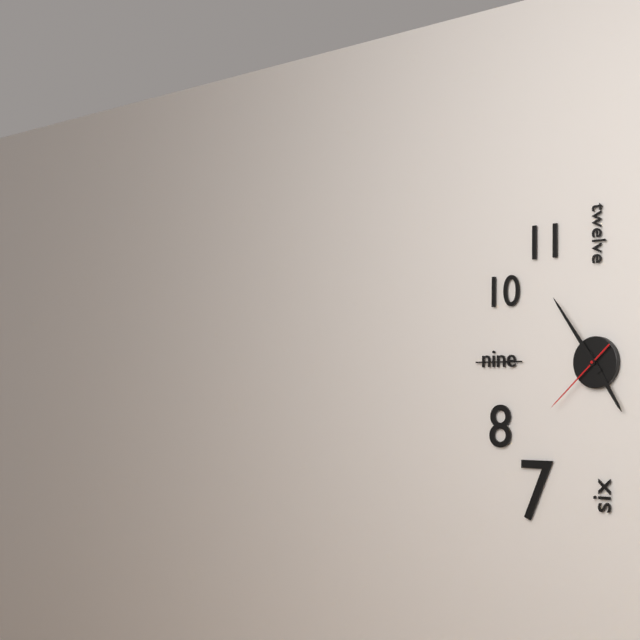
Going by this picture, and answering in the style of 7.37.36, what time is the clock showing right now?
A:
4.54.38
